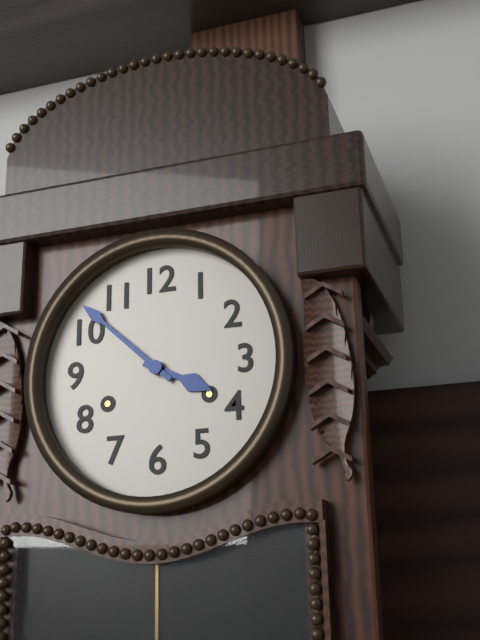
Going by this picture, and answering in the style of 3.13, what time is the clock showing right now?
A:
3.52
